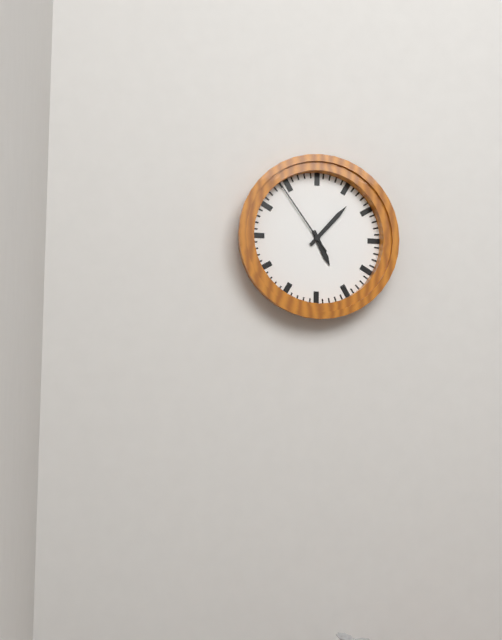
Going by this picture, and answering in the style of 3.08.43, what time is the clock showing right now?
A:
5.07.54
